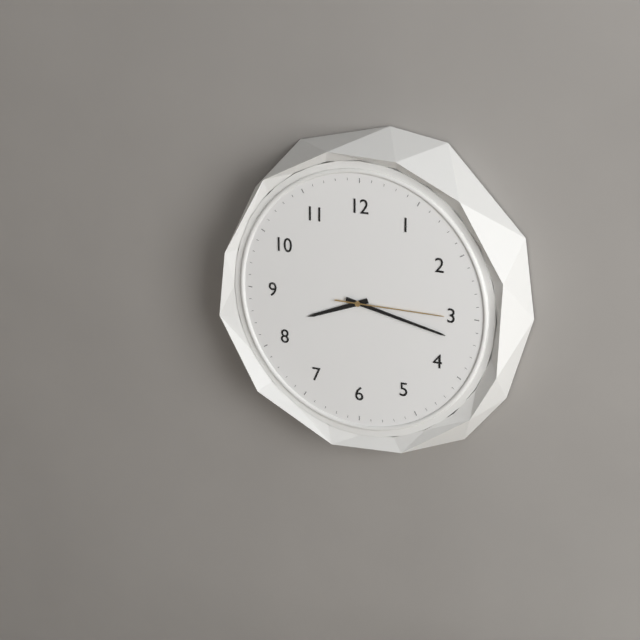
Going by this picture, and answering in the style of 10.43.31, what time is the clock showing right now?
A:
8.17.15
